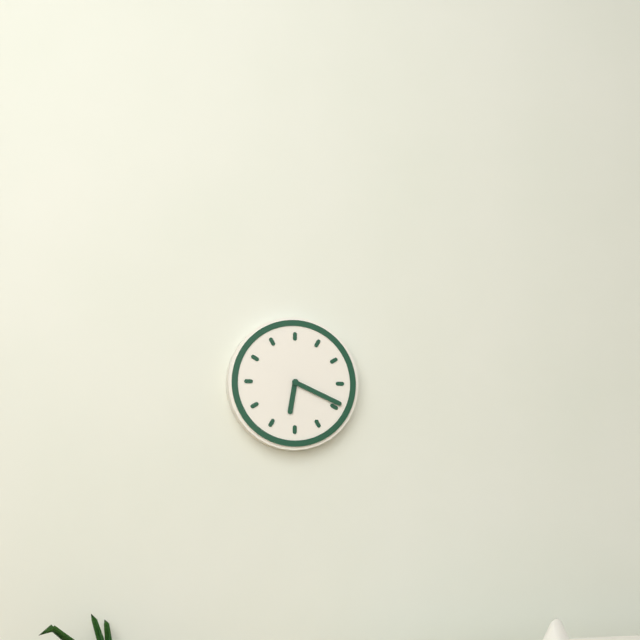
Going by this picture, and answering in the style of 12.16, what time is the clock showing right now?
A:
6.19
